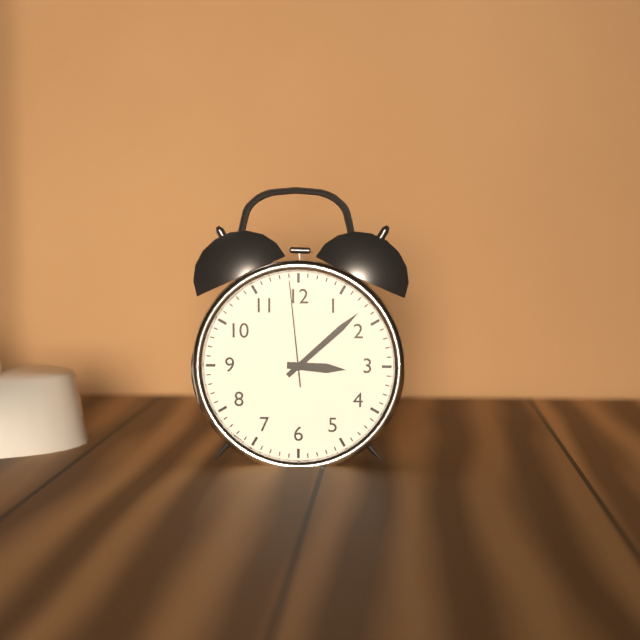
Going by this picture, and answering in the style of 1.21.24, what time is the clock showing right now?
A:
3.08.59
